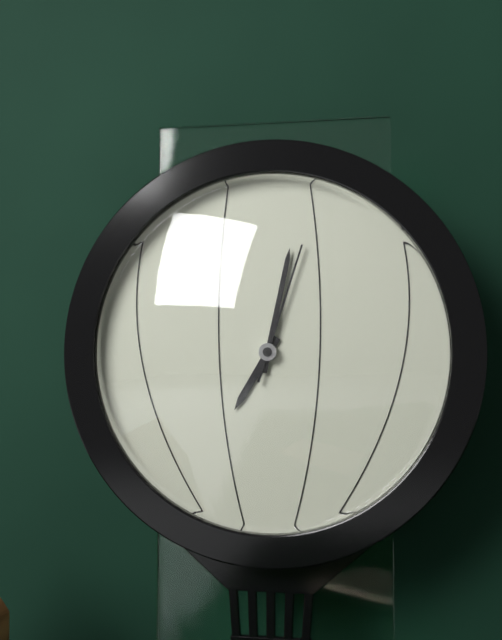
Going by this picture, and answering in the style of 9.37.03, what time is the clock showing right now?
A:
7.02.03
